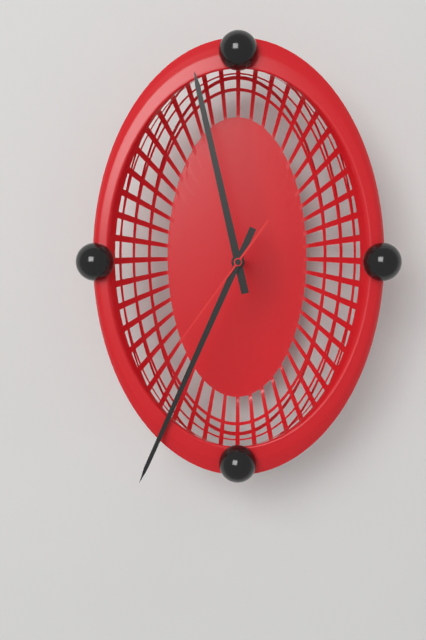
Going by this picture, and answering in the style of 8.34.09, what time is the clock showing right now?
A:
11.34.36
